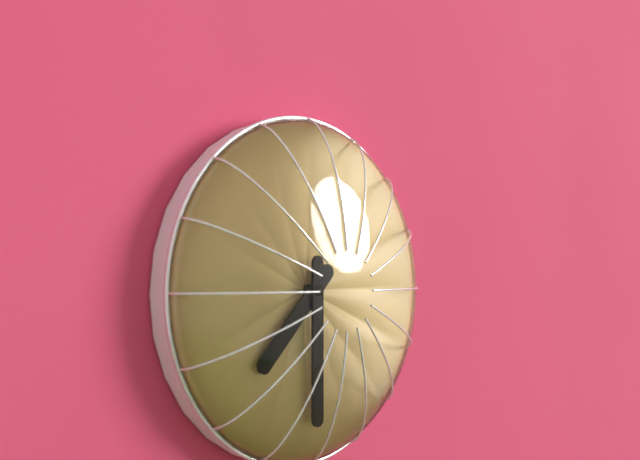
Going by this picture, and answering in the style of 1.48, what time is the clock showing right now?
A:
7.30
